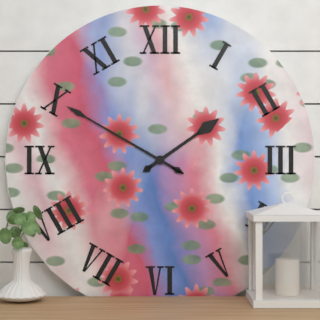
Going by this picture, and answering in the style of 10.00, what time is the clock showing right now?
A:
1.50
